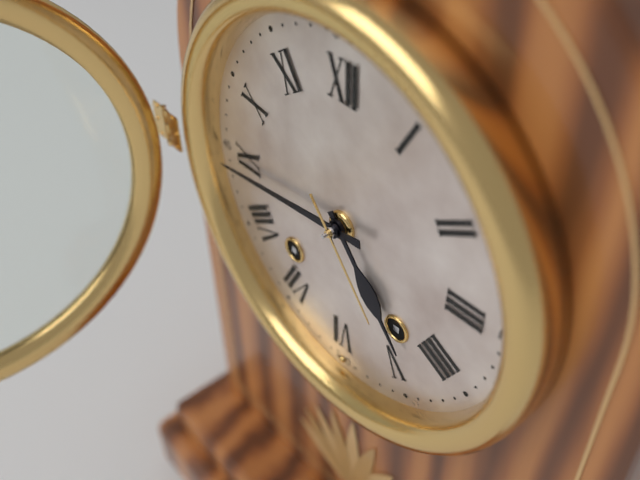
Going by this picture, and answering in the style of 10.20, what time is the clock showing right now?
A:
4.44
